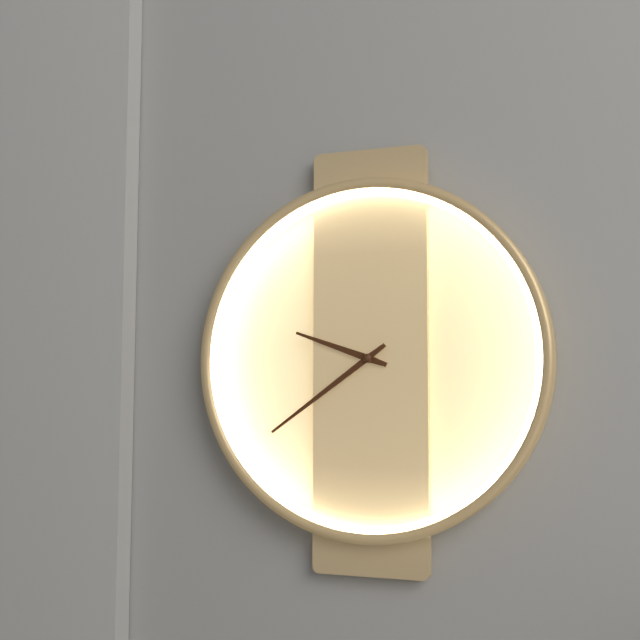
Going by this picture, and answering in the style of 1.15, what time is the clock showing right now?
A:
9.39
